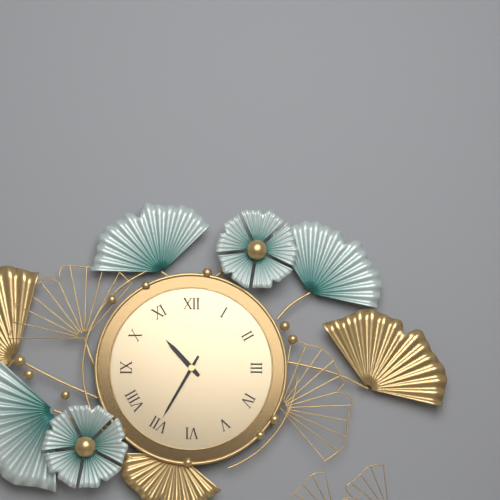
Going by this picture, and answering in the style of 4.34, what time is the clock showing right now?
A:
10.35
